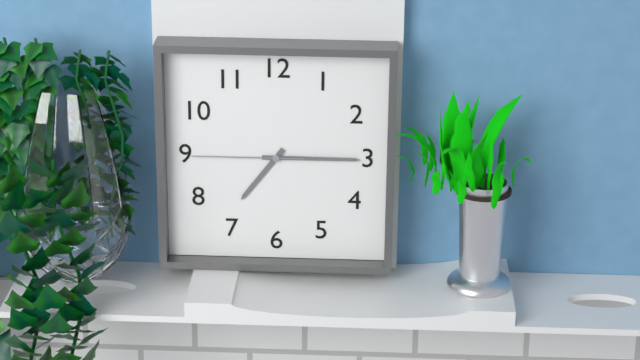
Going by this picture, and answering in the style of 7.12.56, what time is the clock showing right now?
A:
7.15.45
